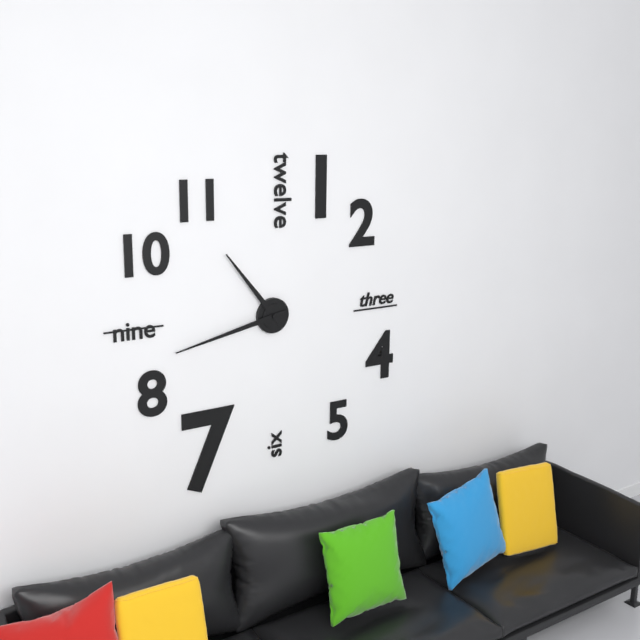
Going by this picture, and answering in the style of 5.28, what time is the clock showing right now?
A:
10.43
